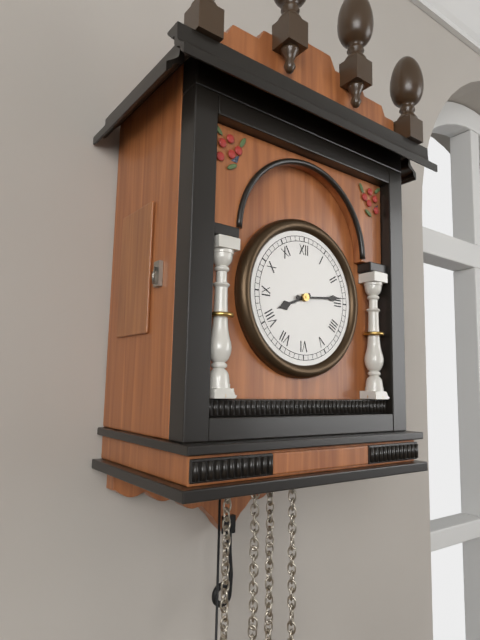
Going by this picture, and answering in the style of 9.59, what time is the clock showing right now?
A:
8.14
